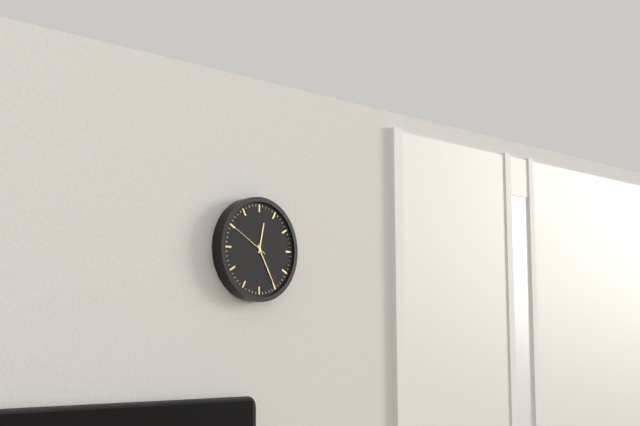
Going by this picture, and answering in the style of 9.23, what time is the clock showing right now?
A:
12.25
